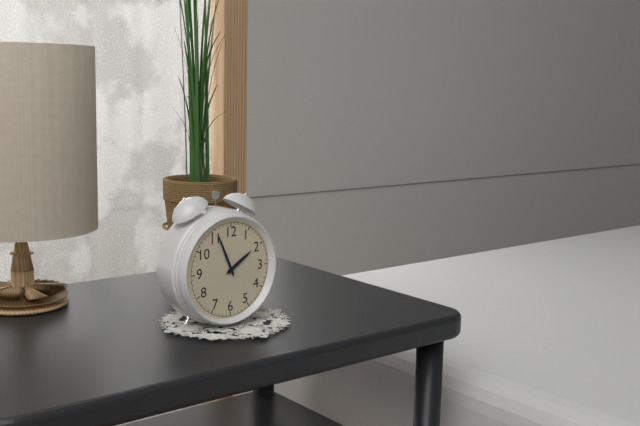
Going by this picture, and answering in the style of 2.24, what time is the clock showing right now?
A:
1.56
